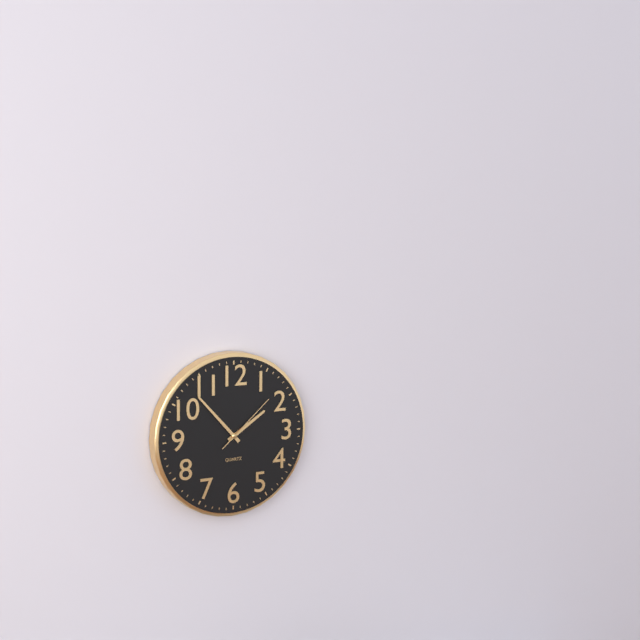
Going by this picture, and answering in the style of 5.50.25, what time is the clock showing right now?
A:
1.53.08
